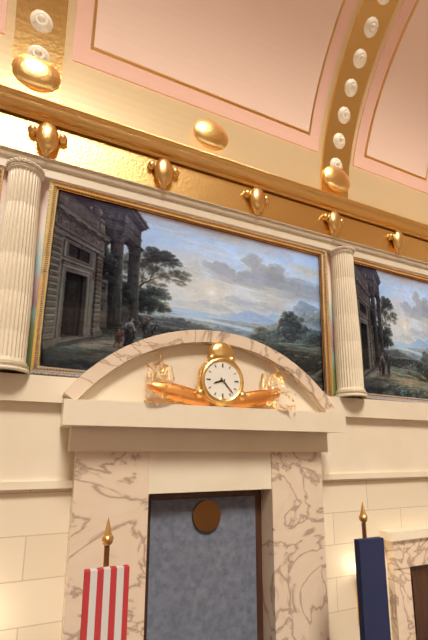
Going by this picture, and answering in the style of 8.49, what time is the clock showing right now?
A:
8.23
